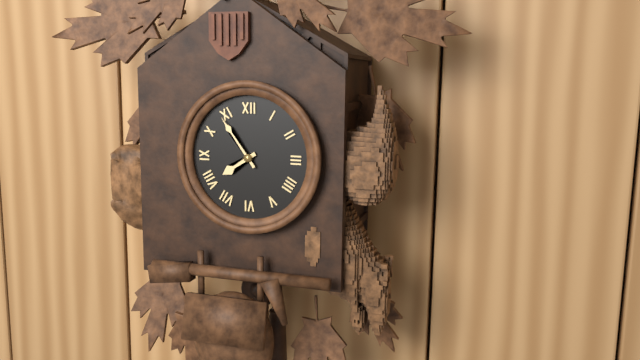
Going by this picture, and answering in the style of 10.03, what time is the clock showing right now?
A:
7.54
